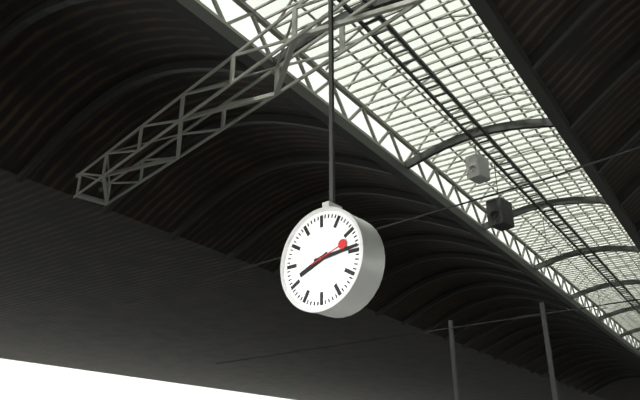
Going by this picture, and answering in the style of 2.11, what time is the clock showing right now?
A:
8.14
